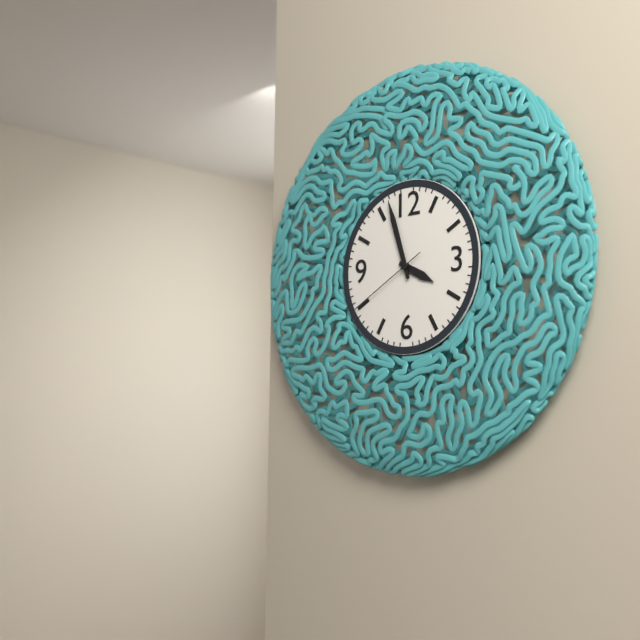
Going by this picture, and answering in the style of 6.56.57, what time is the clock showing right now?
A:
3.57.40
